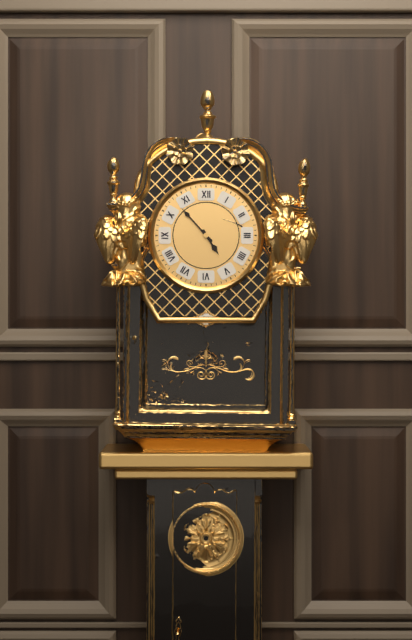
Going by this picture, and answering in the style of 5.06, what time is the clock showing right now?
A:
4.53
